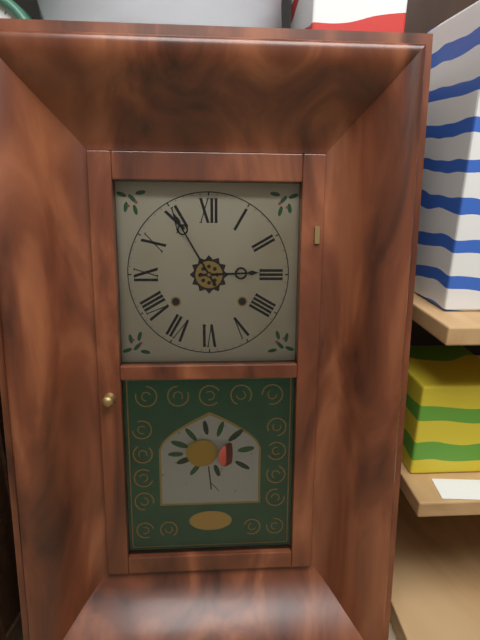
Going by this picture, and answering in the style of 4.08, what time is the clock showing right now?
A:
2.55
